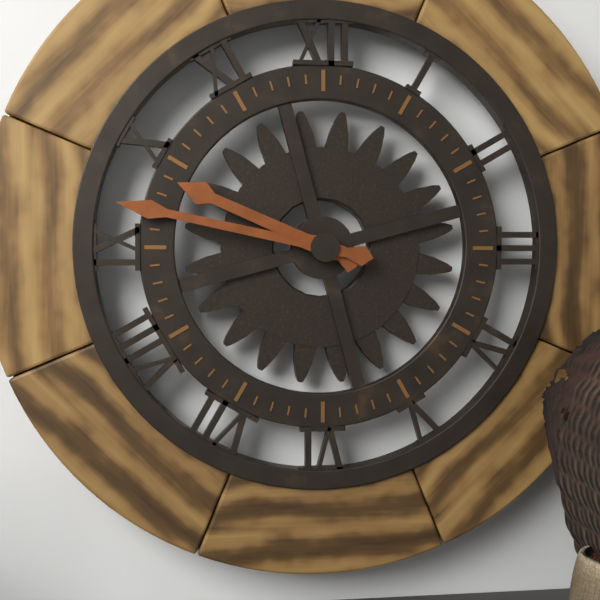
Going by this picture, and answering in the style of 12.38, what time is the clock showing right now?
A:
9.47
